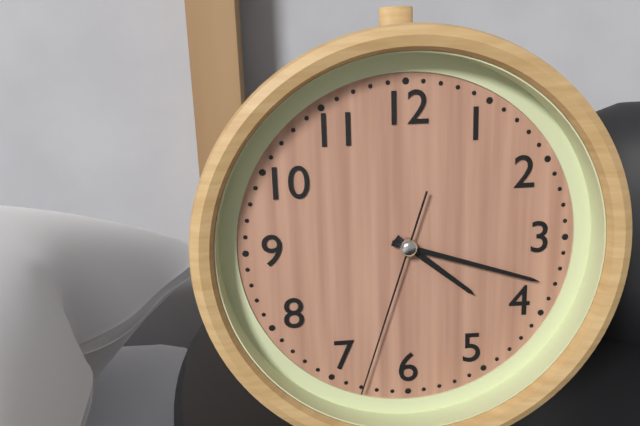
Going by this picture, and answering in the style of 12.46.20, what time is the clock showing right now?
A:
4.18.33
